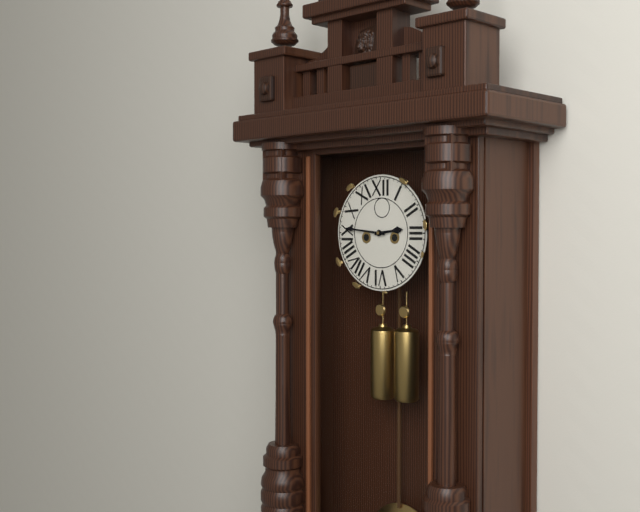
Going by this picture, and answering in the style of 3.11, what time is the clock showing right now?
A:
2.46
